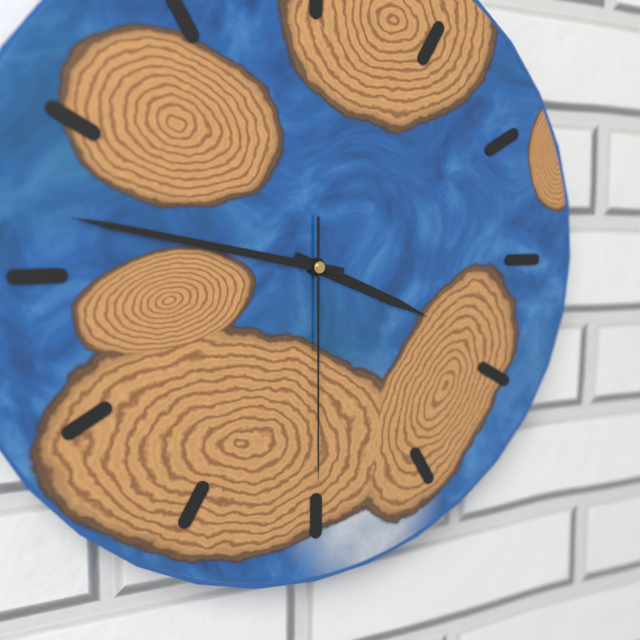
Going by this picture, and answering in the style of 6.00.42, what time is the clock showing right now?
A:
3.47.30
